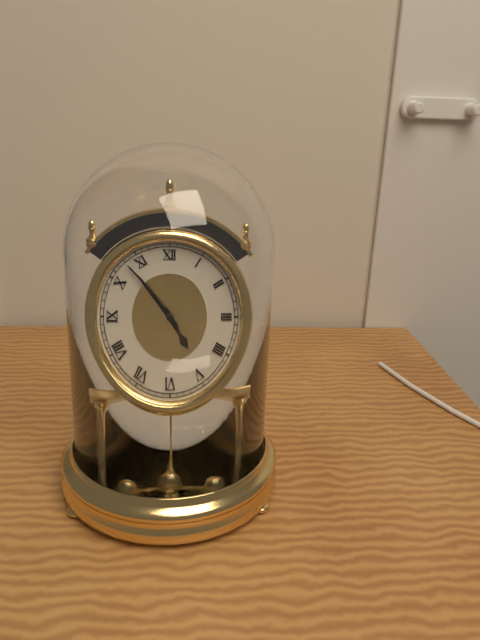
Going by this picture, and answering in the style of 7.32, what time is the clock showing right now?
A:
4.53
